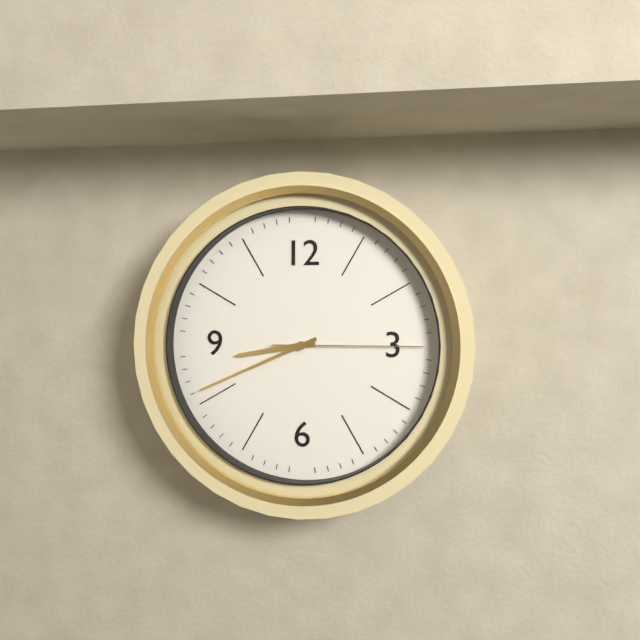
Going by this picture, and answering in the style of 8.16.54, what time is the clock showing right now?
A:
8.41.15
